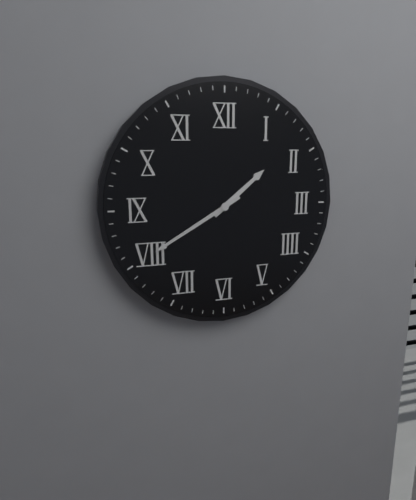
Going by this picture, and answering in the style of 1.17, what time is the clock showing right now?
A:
1.40
